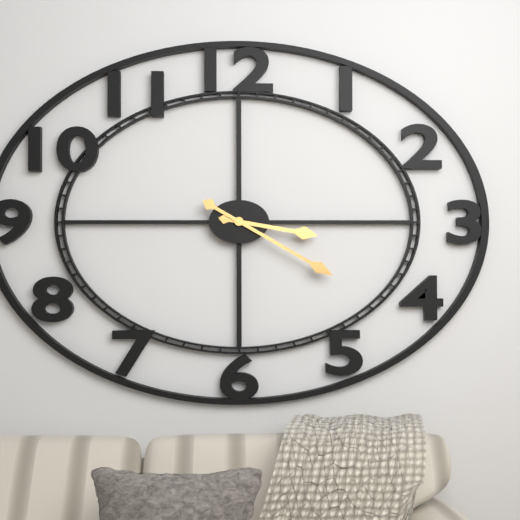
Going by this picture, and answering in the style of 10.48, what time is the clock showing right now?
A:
3.20
